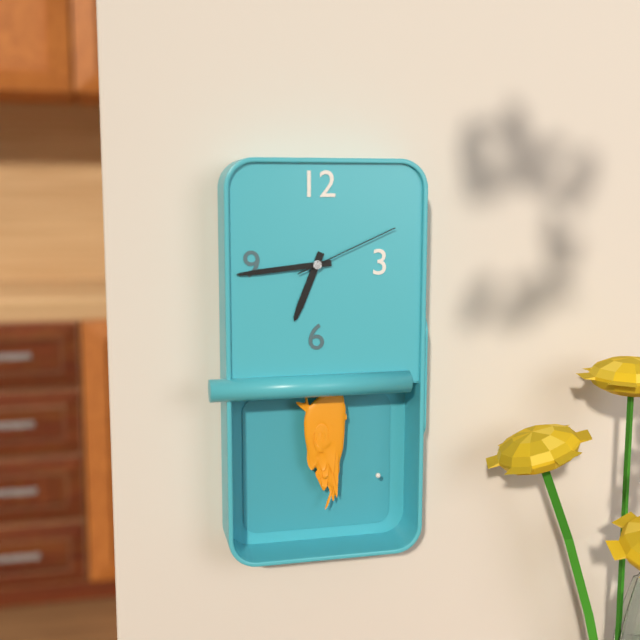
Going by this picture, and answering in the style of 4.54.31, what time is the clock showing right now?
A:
6.44.11
